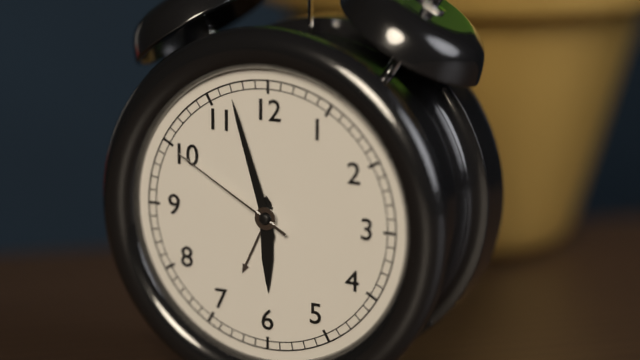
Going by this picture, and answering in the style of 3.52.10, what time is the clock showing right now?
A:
5.57.50
